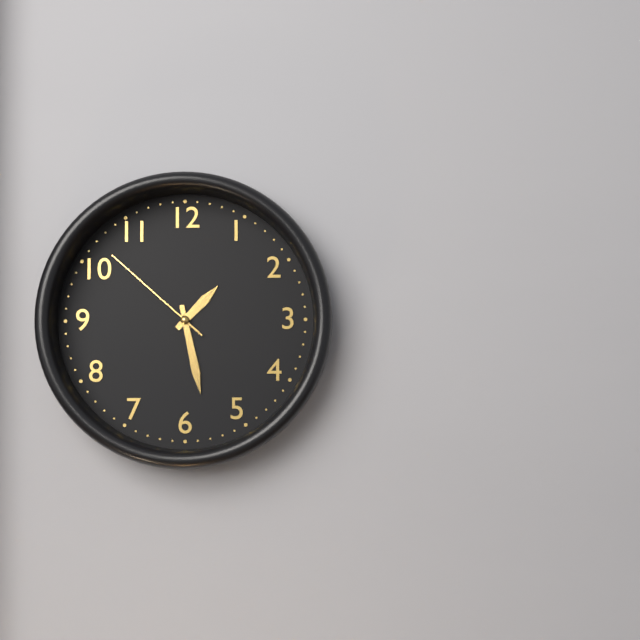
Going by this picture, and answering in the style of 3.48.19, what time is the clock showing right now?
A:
1.28.52
